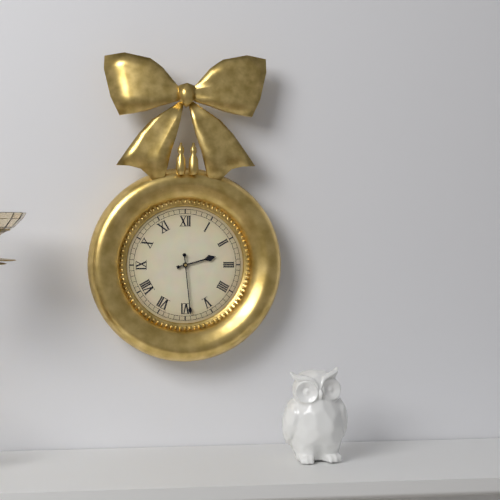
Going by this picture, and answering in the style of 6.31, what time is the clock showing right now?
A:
2.29
